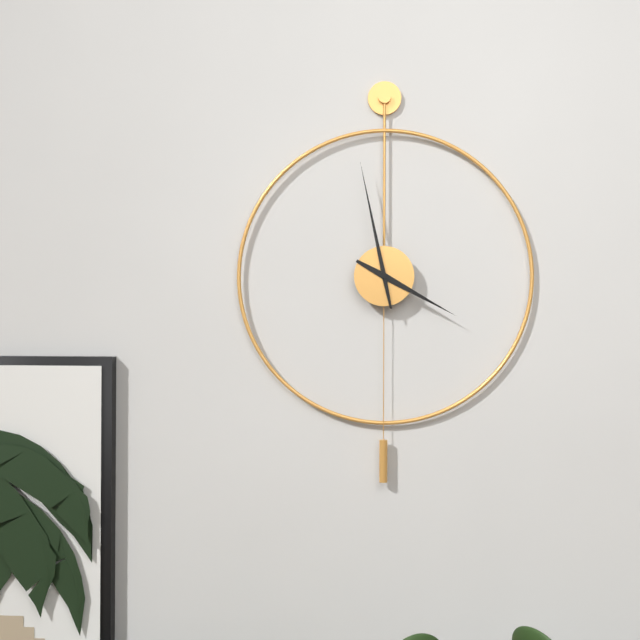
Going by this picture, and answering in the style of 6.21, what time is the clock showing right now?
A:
3.58
